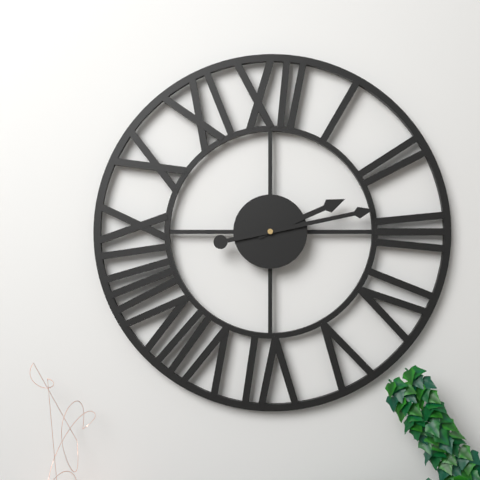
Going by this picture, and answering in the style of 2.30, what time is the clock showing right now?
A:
2.13
